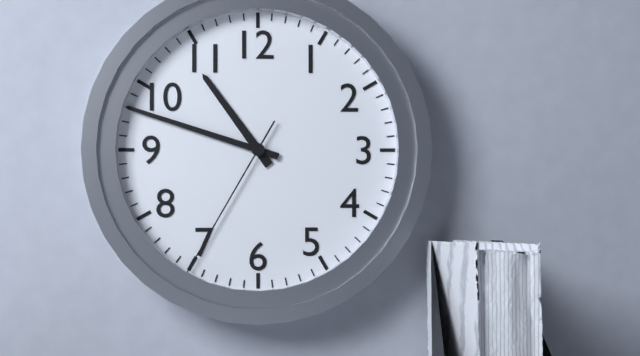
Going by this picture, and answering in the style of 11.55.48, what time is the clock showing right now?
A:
10.48.35
